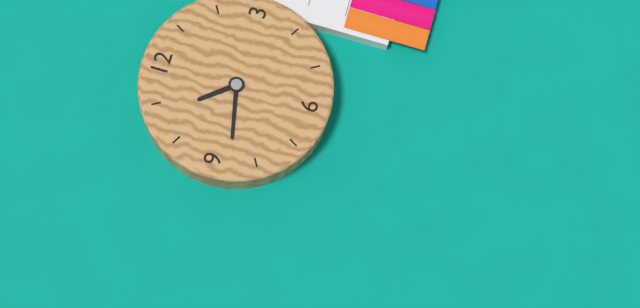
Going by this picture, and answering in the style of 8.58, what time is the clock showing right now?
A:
10.43
